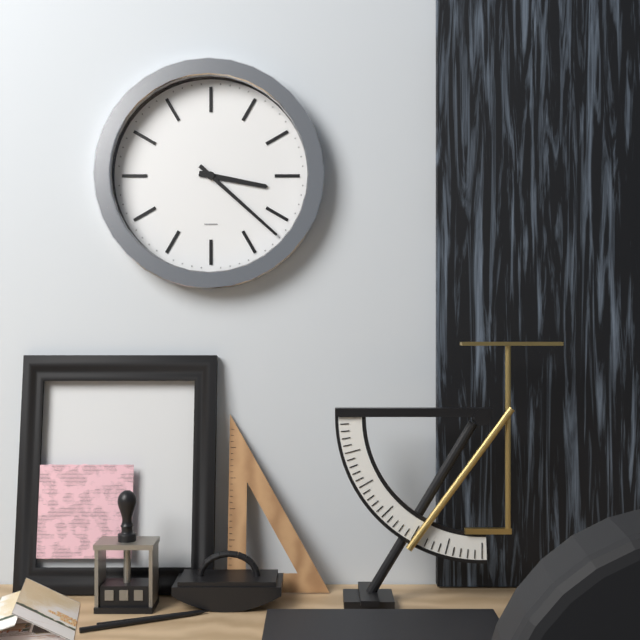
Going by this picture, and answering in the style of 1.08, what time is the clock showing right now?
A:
3.22
